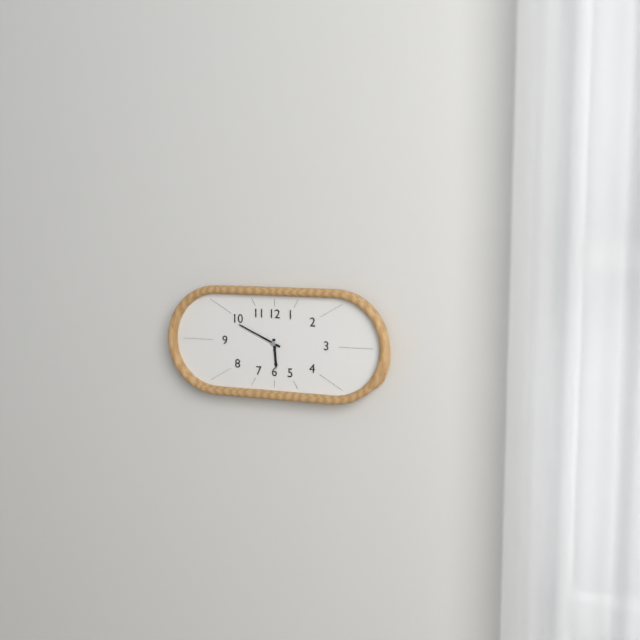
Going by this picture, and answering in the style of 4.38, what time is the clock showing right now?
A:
5.49
